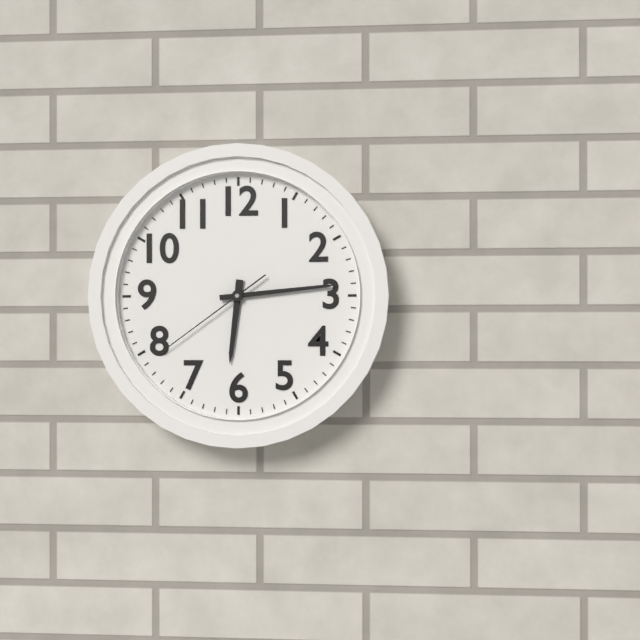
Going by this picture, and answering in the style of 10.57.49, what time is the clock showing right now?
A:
6.14.39
